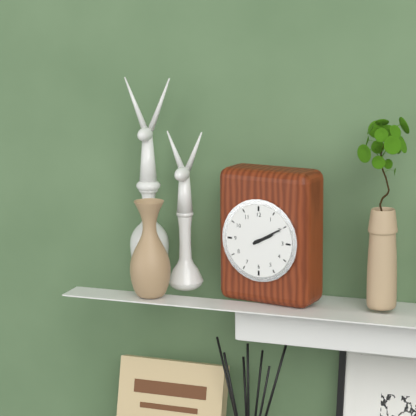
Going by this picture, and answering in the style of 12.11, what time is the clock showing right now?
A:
2.10
